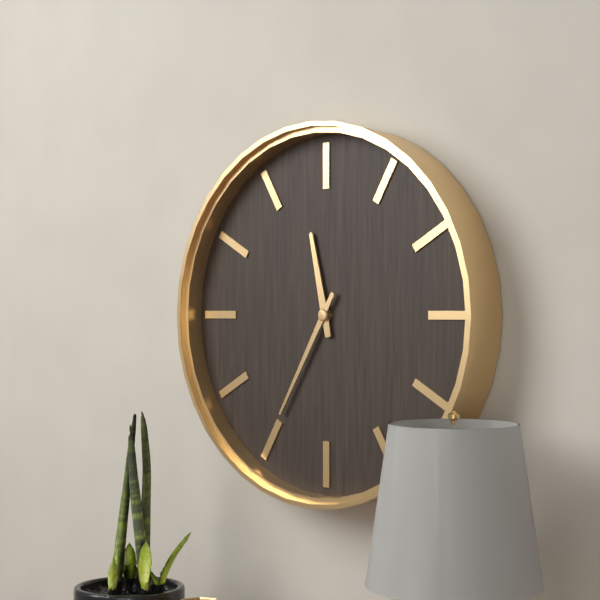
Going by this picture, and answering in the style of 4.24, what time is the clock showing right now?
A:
11.35
